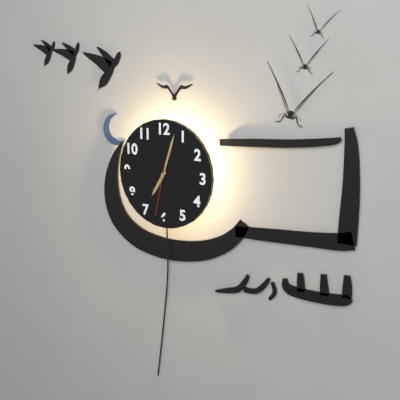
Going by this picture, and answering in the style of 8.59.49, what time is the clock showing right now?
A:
7.03.32
